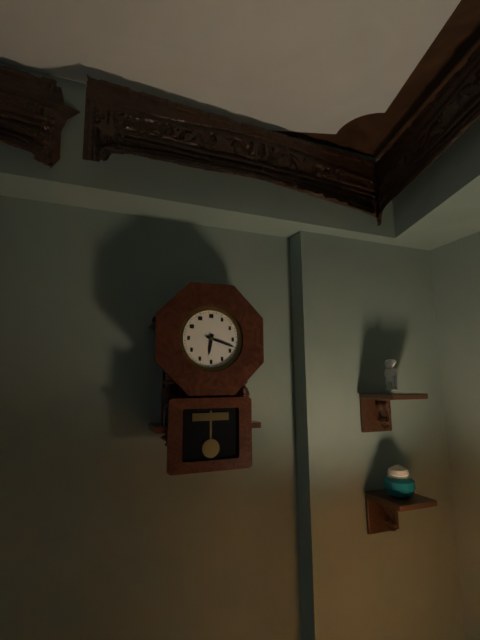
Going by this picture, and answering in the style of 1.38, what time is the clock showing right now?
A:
6.18
